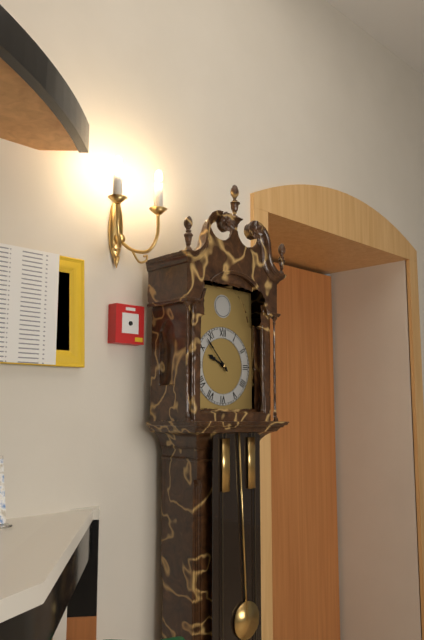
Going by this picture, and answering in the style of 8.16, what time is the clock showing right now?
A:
9.53
